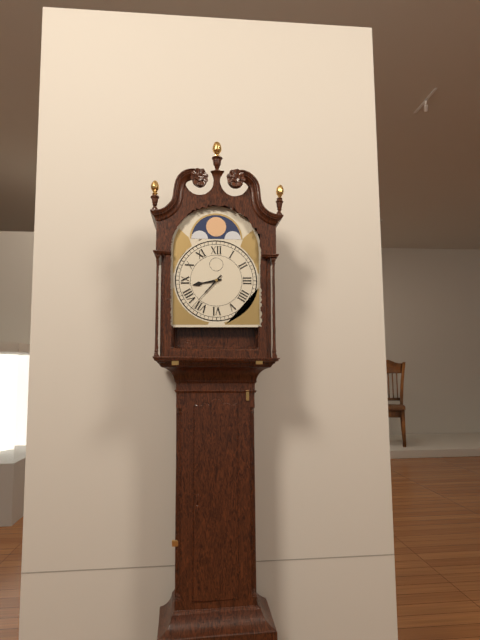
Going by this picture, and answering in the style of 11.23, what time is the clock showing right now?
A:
8.37
